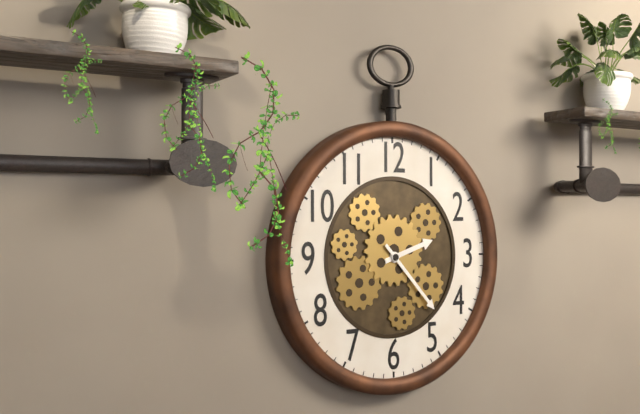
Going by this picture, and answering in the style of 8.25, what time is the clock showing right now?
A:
2.23
